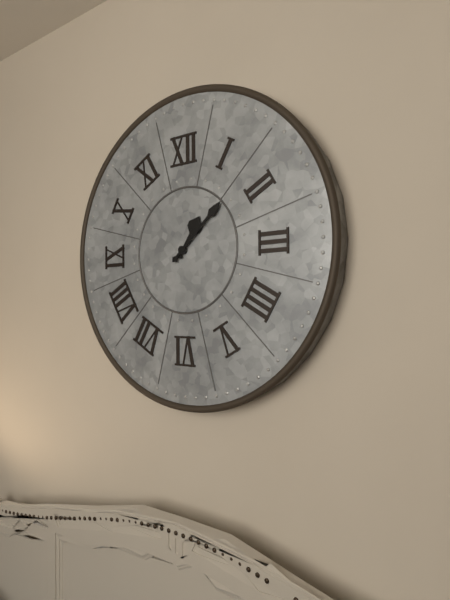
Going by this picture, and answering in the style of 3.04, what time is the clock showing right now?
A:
1.08
